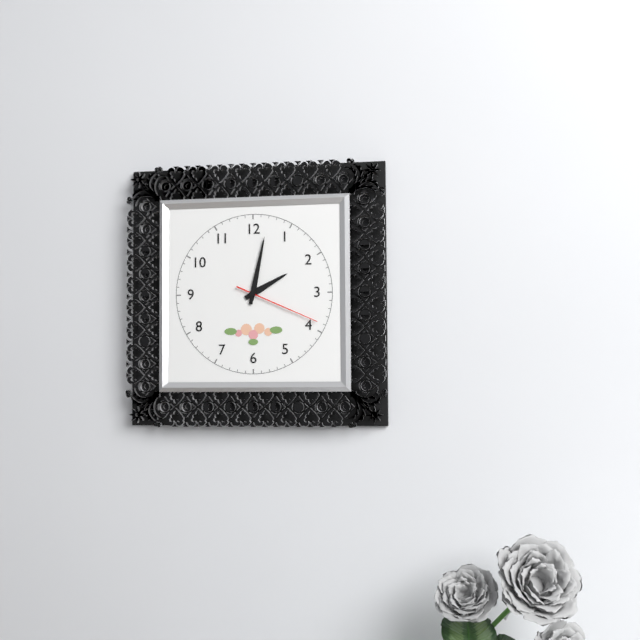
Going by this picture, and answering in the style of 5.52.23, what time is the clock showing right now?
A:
2.02.19
